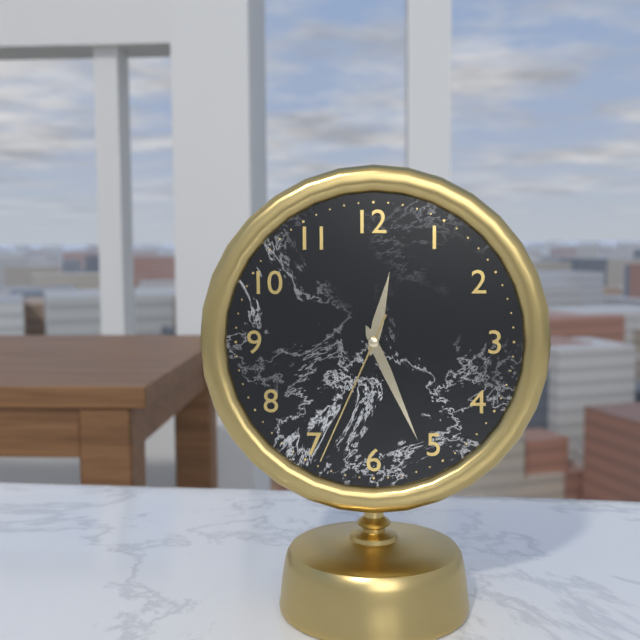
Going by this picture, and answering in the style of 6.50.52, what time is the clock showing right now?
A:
12.26.34
